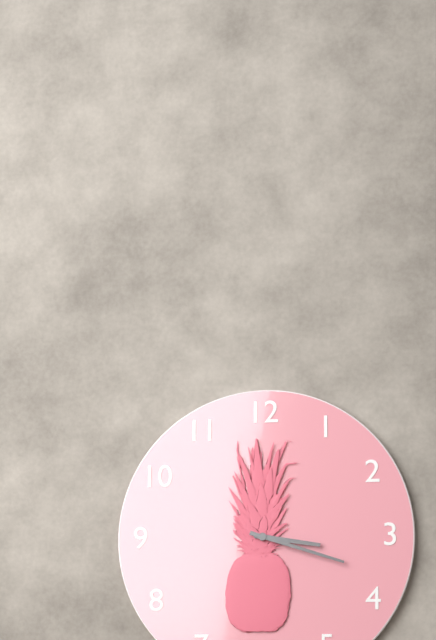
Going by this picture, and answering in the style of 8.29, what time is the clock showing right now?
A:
3.18
